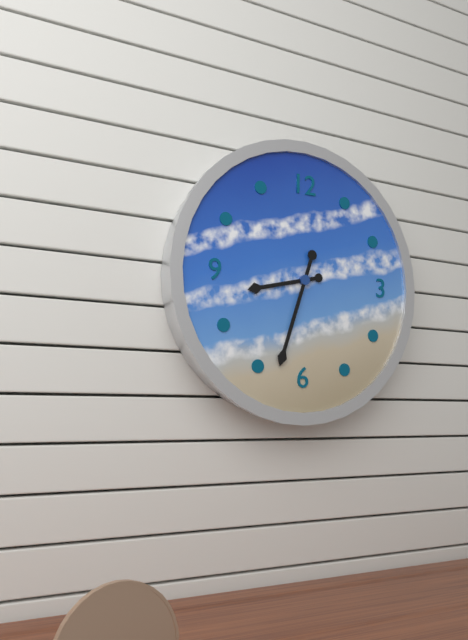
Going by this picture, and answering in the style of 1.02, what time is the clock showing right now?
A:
8.33
